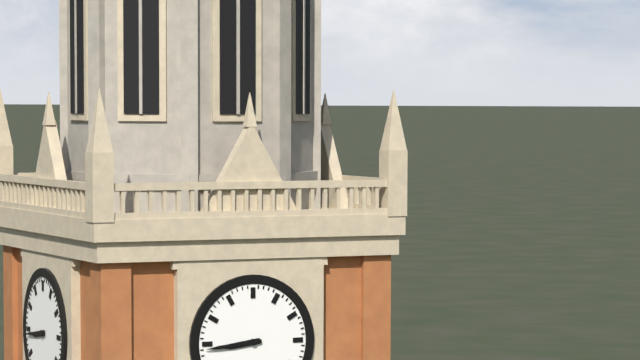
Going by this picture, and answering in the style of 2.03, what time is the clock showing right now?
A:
8.44
